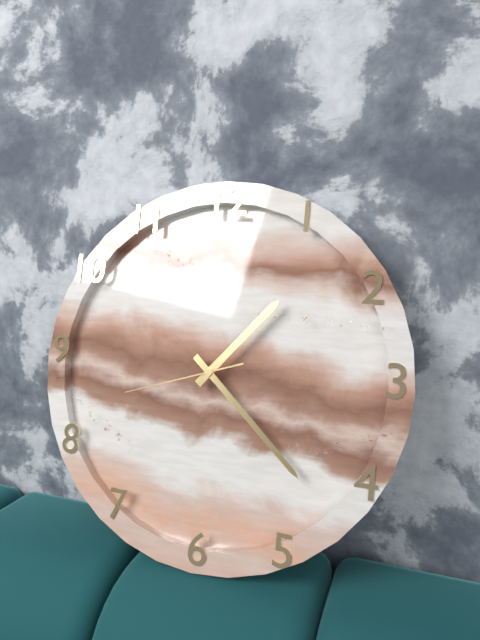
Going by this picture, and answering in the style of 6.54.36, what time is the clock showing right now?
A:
1.22.42
